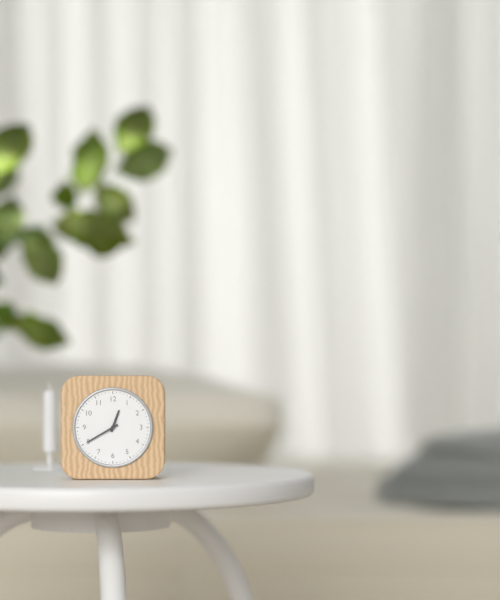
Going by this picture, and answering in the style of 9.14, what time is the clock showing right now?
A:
12.40
